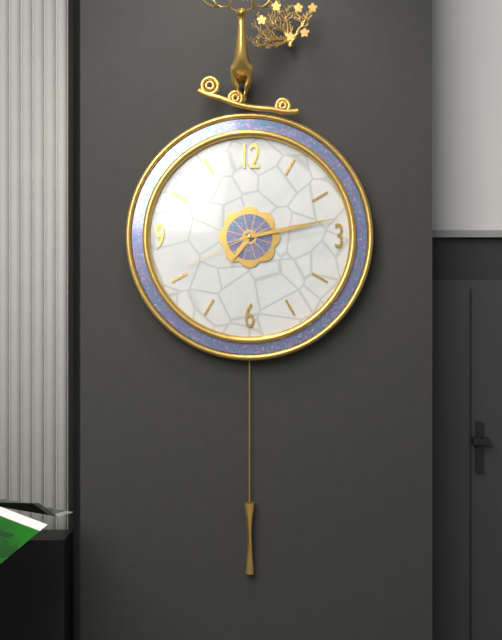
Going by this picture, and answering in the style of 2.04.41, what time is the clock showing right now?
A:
7.13.41
